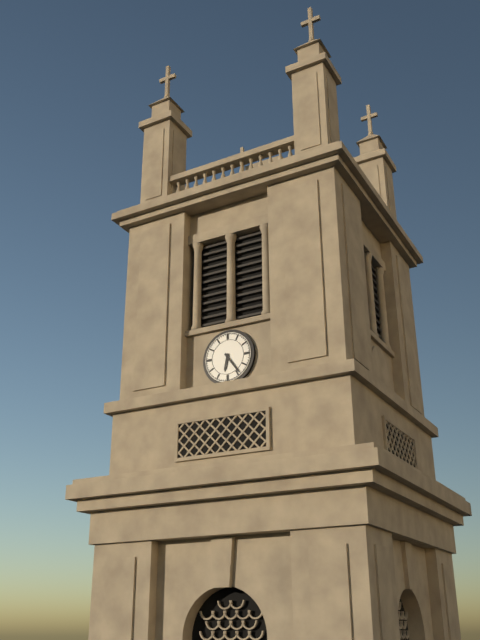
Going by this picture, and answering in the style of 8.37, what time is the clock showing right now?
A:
6.24
